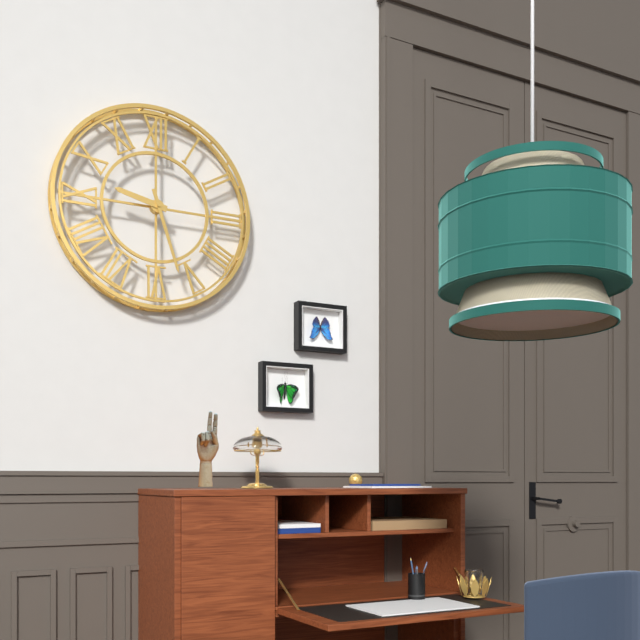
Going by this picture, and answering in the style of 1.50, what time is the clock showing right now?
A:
9.27
